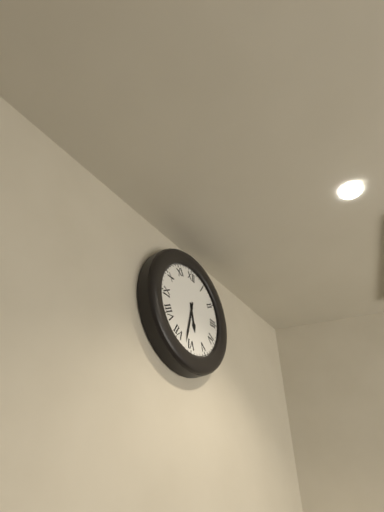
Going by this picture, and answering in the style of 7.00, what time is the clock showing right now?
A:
5.32
